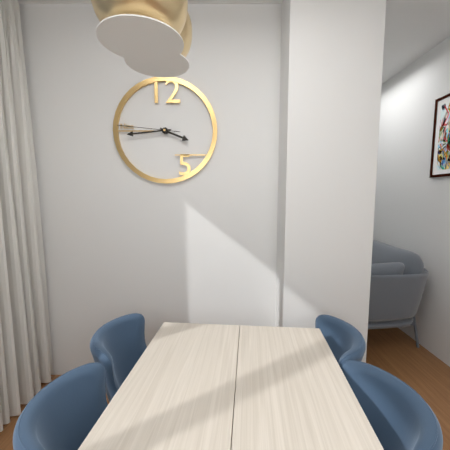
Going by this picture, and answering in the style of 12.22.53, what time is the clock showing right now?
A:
3.44.46
